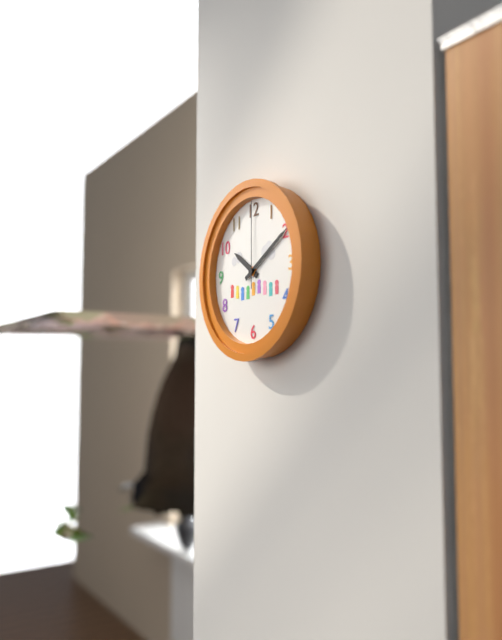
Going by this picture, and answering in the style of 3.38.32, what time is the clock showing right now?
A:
10.10.00
